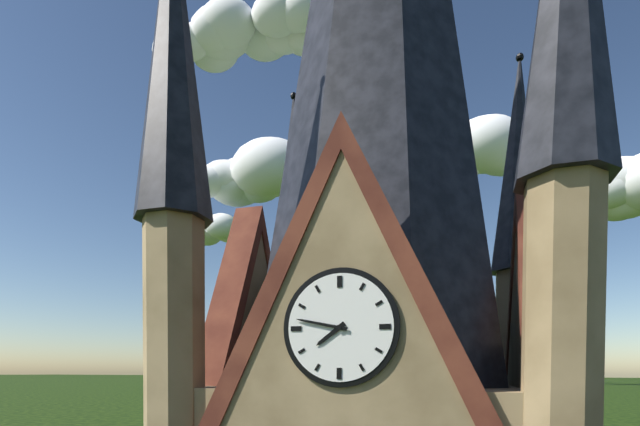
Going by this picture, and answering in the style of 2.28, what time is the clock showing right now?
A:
7.47
